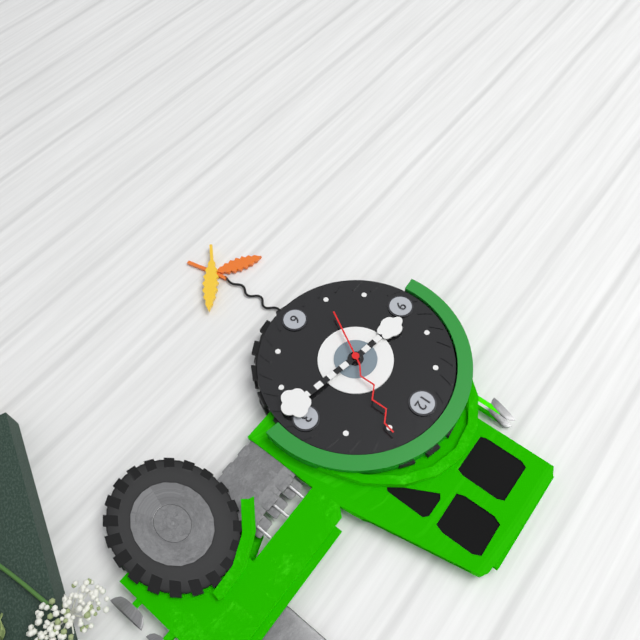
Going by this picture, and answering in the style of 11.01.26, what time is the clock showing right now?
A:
9.17.05
